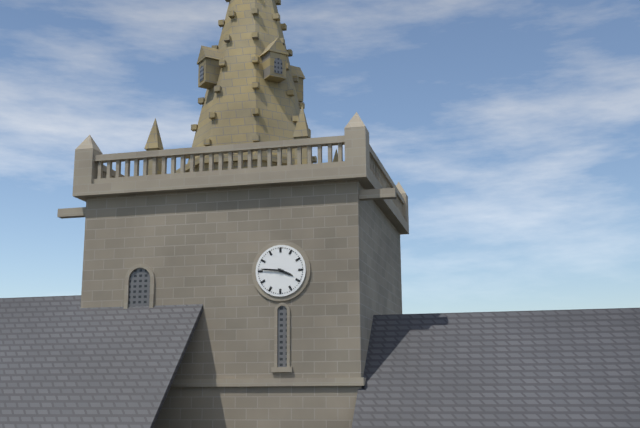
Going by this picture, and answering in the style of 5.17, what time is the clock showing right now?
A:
3.46
